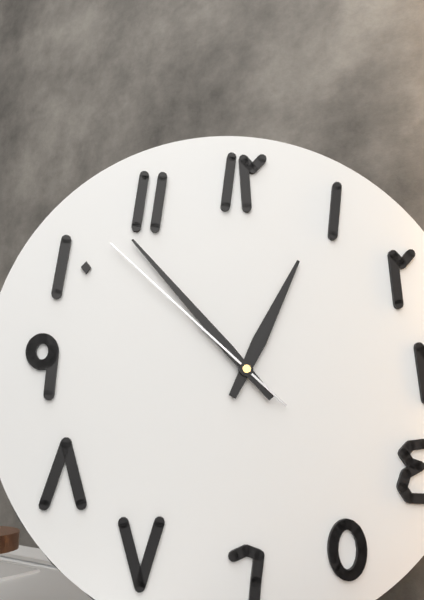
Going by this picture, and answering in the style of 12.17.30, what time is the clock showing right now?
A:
12.53.52
